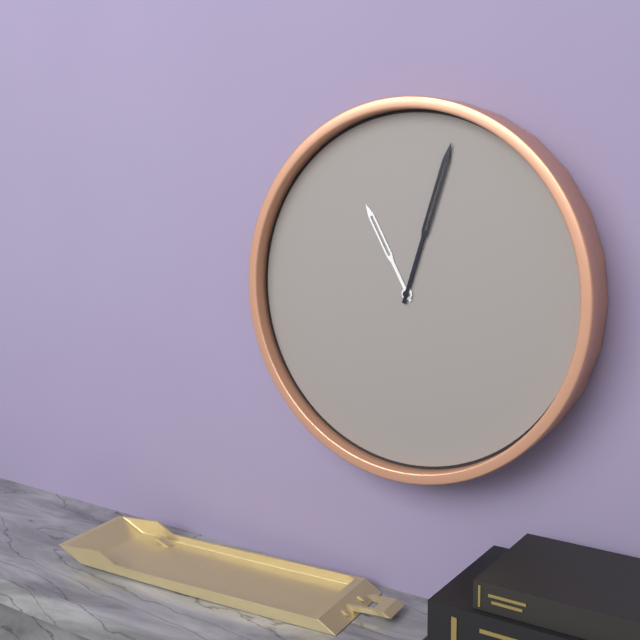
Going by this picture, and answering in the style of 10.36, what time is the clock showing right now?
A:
11.03
